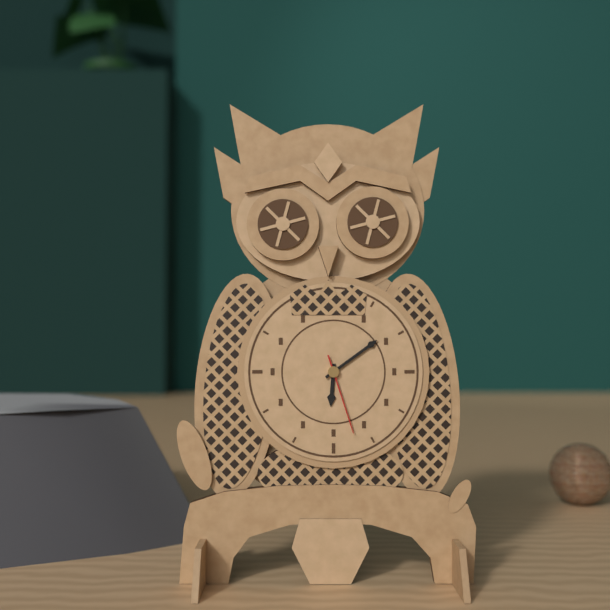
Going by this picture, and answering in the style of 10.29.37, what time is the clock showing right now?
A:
6.09.27
